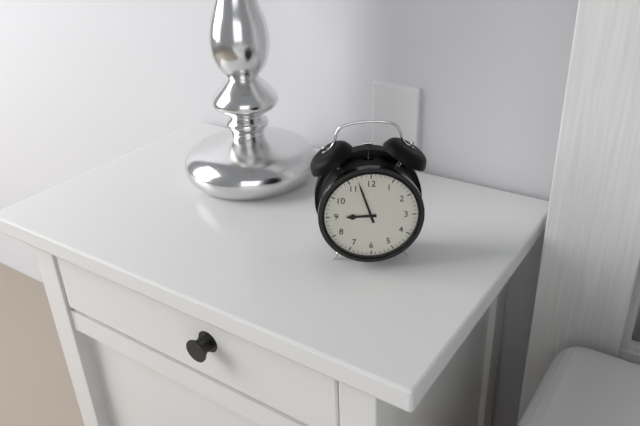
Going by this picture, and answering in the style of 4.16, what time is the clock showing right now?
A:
8.57
